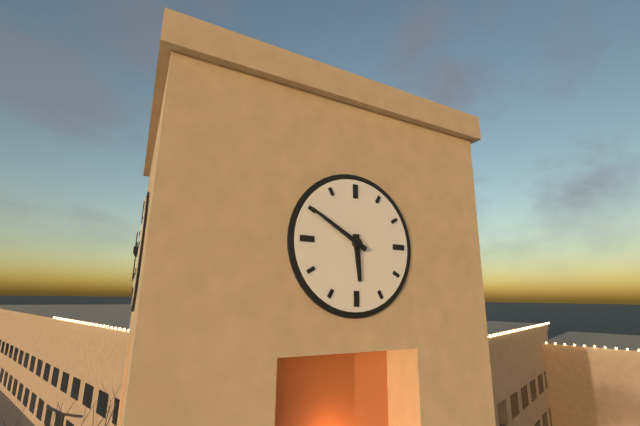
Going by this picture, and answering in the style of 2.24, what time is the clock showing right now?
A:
5.50
